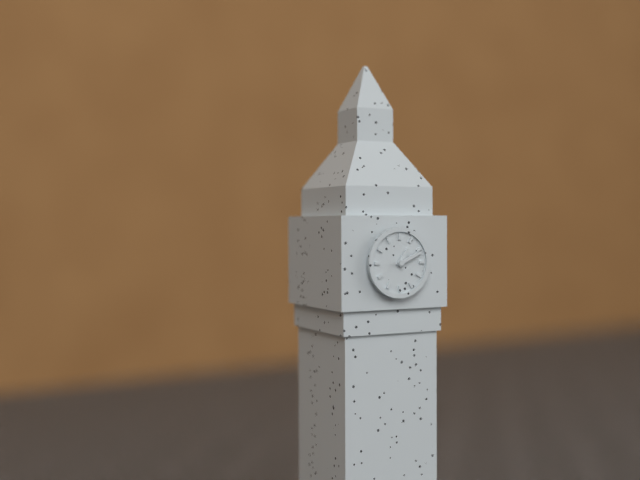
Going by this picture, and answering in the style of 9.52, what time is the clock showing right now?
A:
1.11
